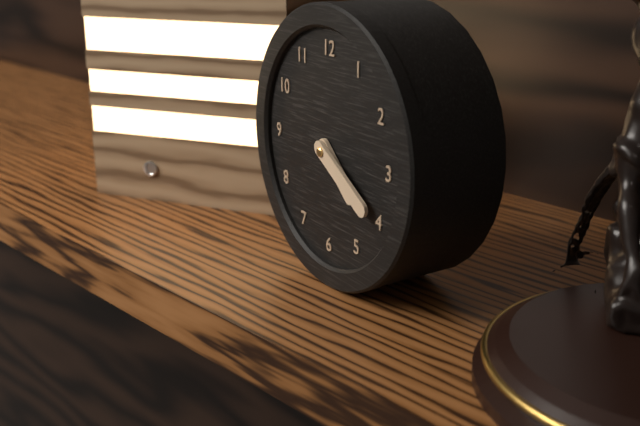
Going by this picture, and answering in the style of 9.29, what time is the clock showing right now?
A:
4.20
